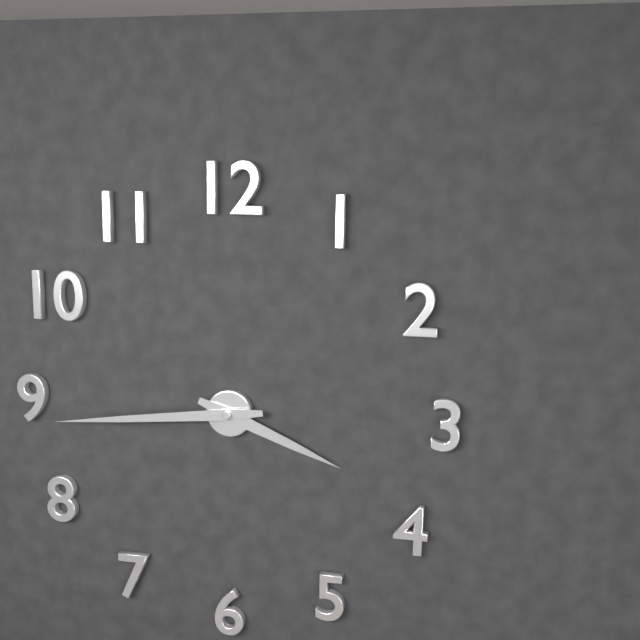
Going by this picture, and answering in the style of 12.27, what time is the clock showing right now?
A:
3.44
